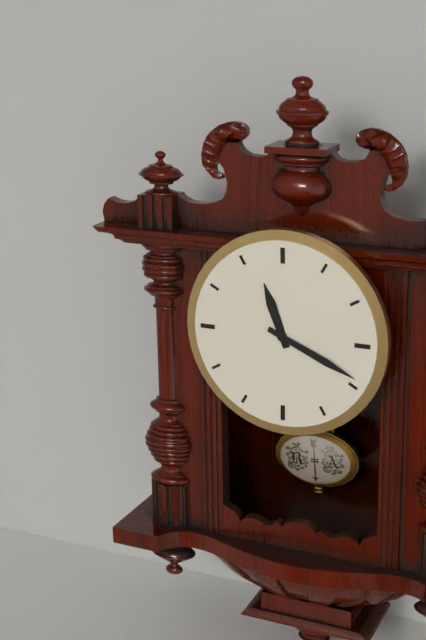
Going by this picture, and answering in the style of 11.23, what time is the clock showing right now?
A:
11.19
